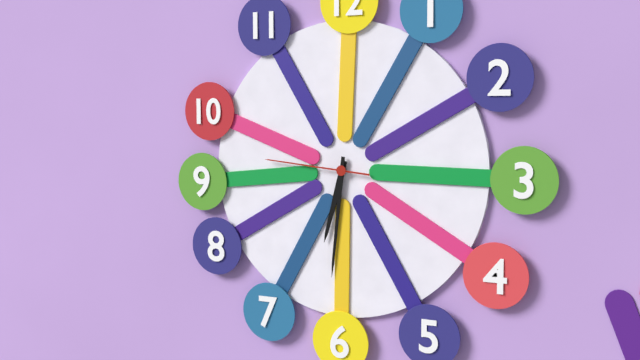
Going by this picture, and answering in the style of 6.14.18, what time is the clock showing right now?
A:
6.31.46
